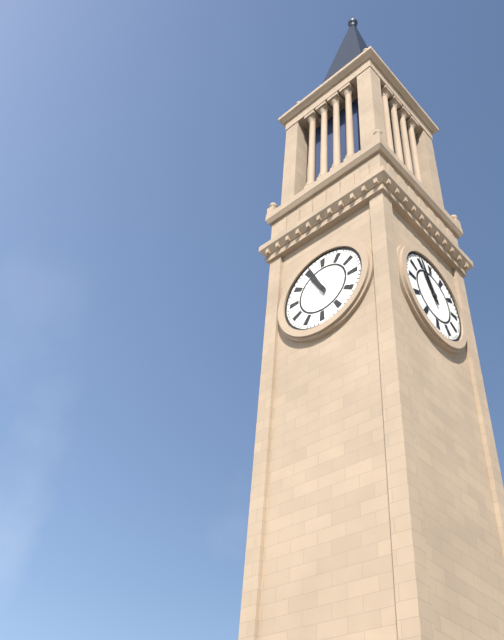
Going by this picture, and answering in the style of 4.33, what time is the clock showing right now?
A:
10.56
